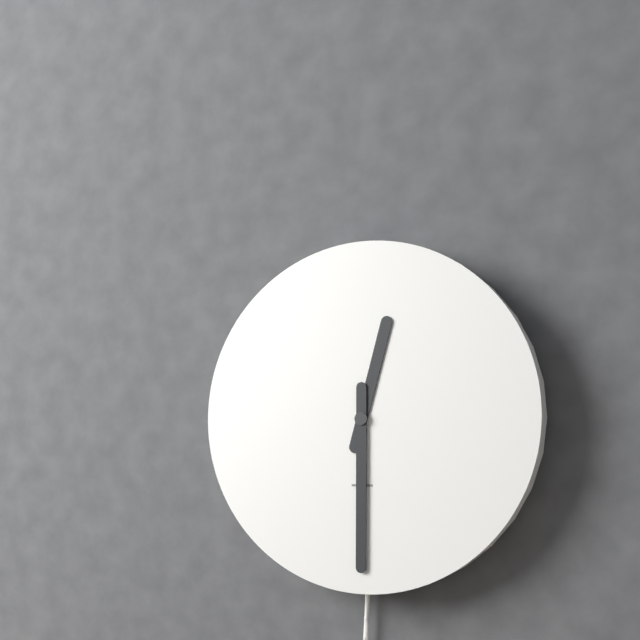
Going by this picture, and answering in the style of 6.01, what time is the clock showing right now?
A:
12.30
